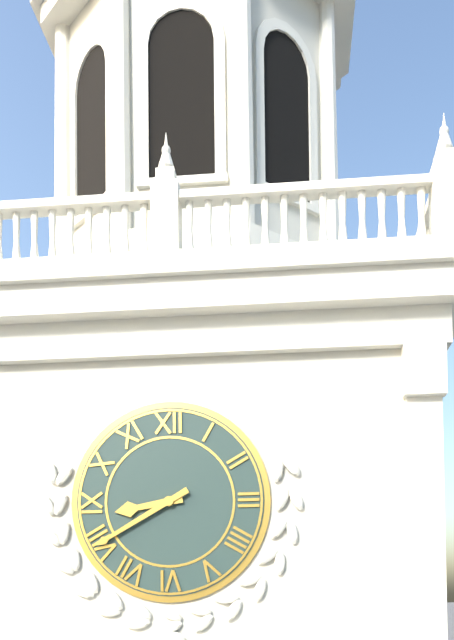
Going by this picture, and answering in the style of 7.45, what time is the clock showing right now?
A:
8.40
